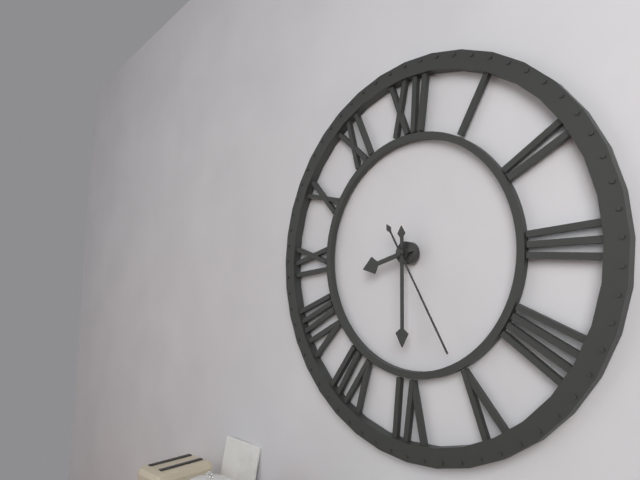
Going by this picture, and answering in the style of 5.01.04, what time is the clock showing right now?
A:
8.30.25
